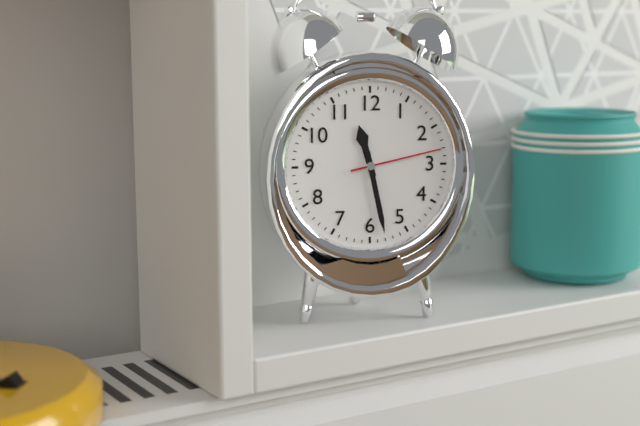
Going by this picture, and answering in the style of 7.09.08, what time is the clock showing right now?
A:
11.28.13
